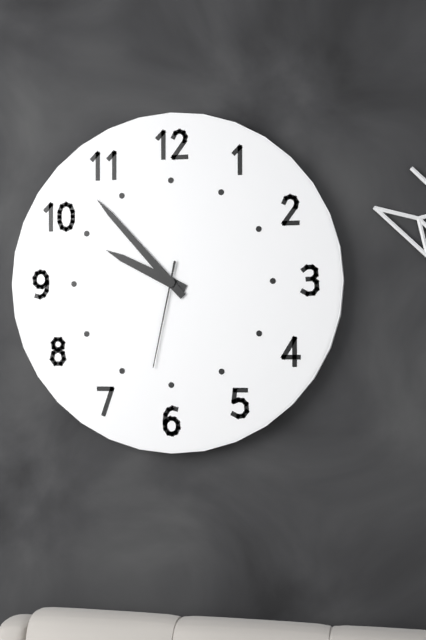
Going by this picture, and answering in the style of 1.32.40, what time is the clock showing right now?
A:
9.53.32
